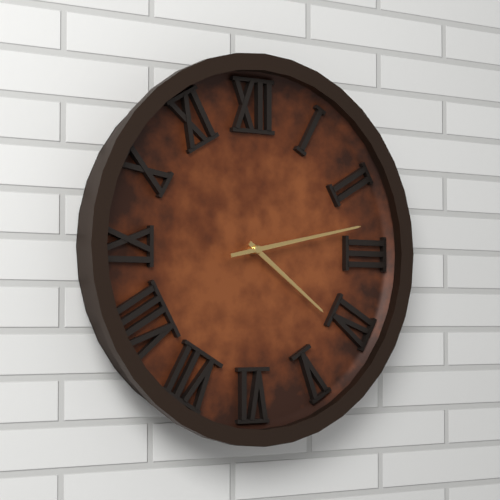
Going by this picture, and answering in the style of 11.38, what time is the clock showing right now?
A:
4.13
